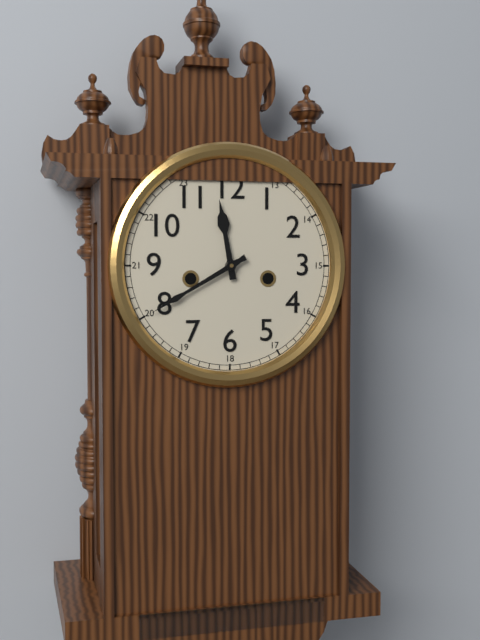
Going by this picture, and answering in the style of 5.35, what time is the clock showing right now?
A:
11.40
